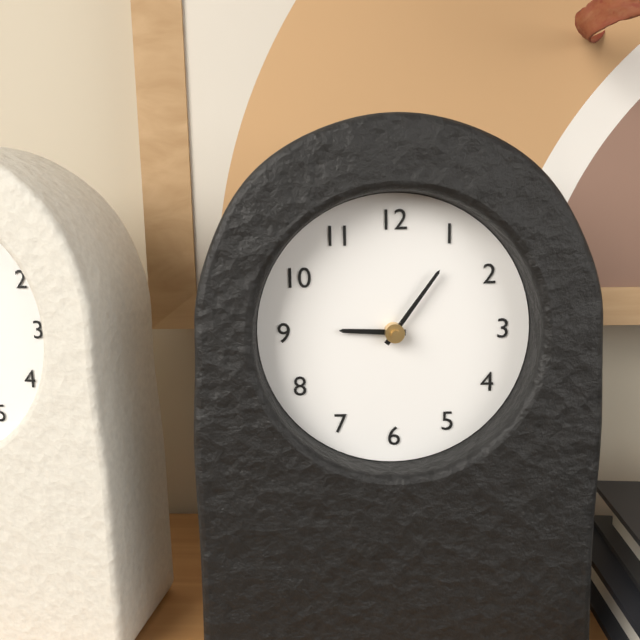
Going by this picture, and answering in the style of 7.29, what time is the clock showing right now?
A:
9.06
